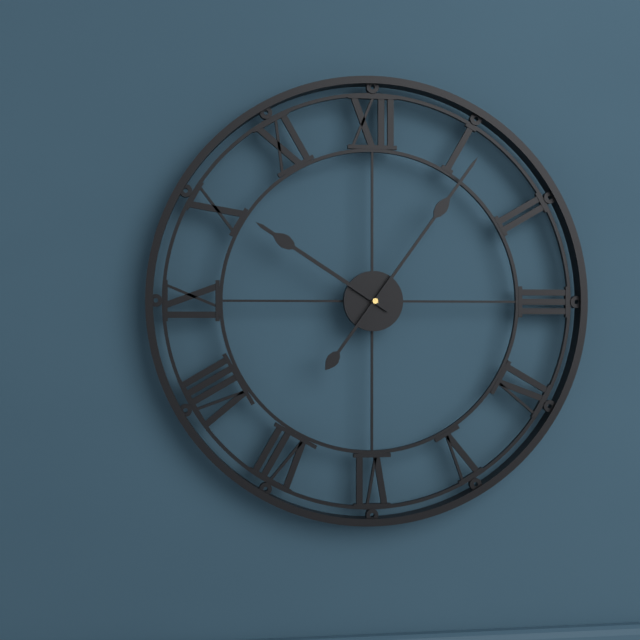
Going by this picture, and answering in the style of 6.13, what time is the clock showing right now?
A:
10.06
